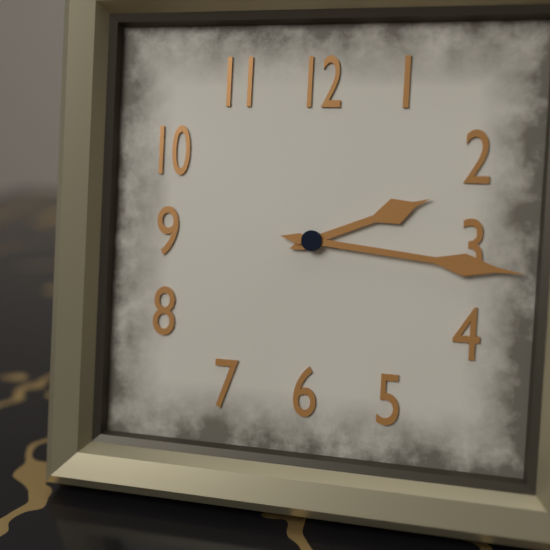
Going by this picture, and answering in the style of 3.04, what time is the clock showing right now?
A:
2.16
